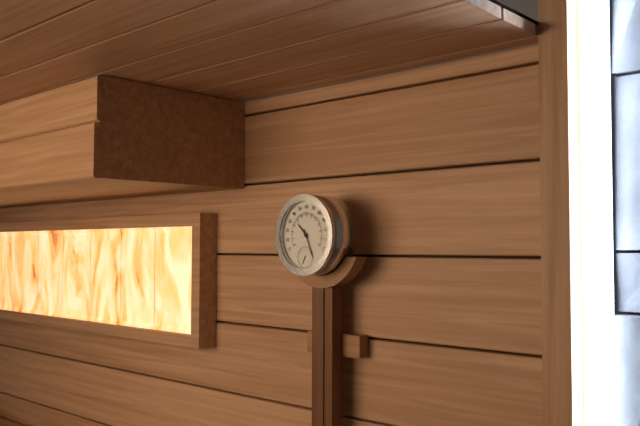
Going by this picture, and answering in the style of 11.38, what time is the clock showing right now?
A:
10.26
